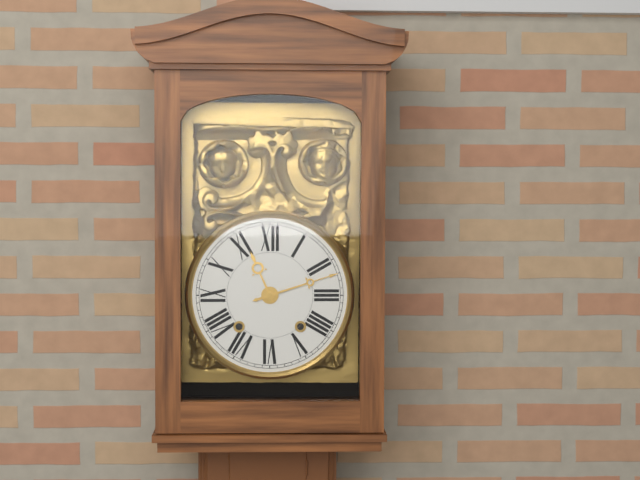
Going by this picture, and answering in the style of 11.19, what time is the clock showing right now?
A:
11.12
